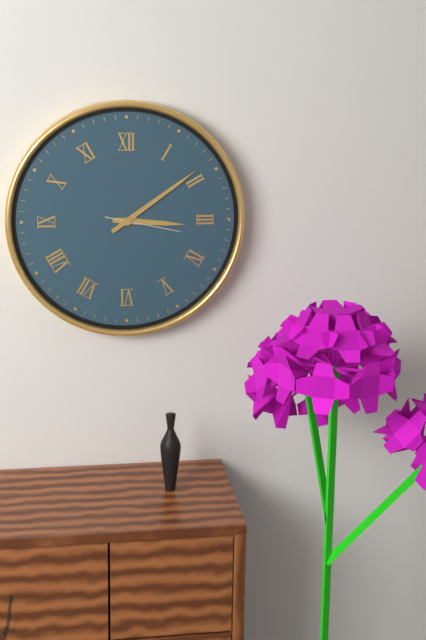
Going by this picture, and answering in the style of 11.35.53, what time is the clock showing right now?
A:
3.09.17
